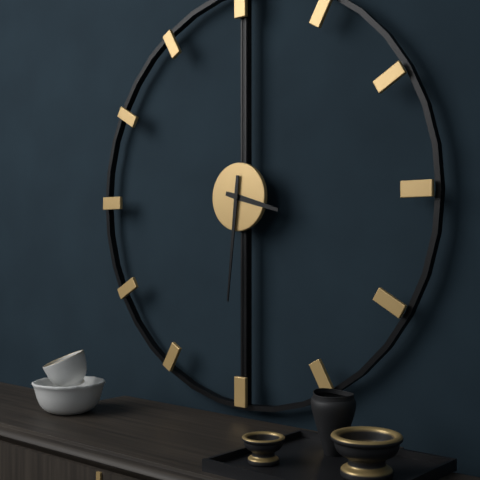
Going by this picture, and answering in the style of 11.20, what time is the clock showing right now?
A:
3.31
